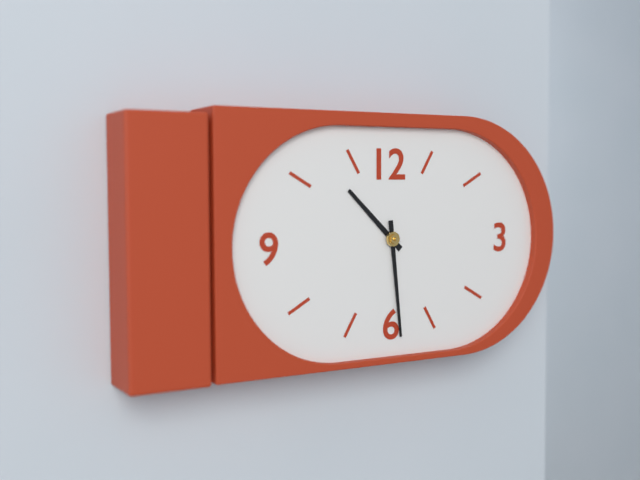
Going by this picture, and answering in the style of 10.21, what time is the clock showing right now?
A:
10.29
